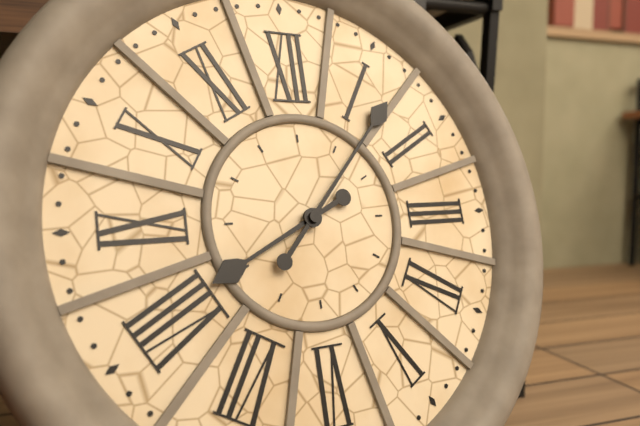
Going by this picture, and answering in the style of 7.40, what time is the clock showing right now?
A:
8.07
